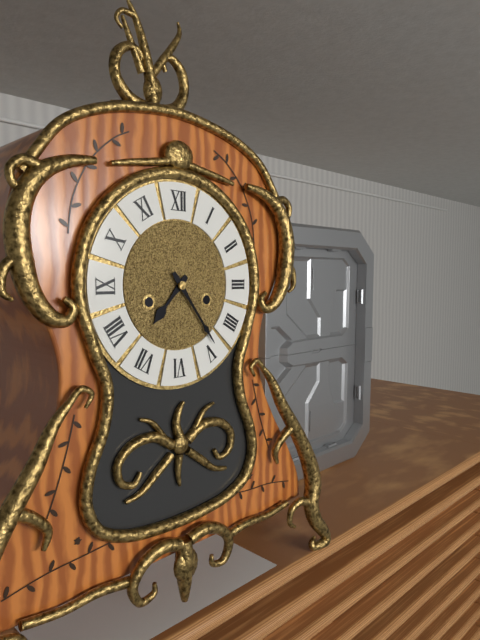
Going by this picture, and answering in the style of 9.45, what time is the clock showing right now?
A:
7.24
